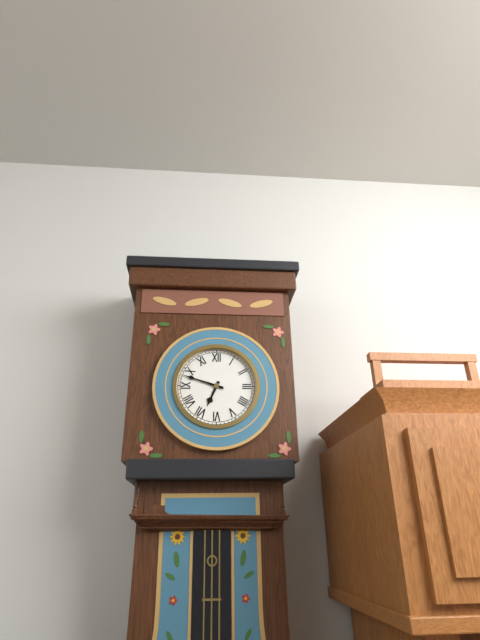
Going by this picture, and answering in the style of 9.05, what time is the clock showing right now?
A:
6.48
